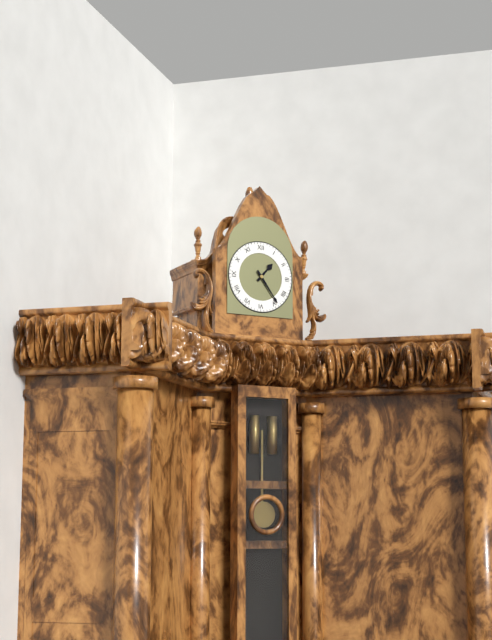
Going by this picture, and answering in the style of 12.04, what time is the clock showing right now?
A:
1.24
